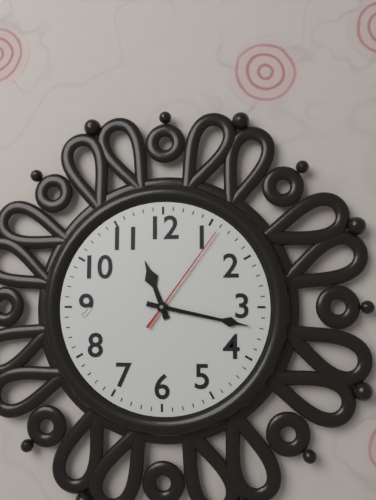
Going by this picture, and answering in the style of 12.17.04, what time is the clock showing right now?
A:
11.17.06
